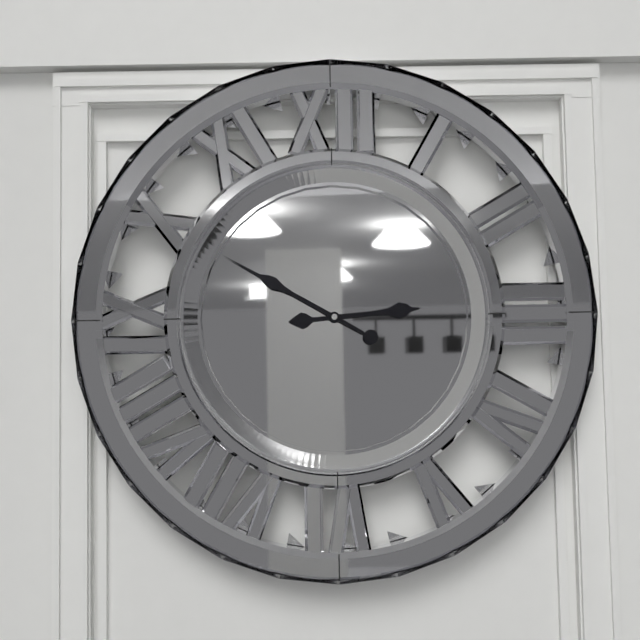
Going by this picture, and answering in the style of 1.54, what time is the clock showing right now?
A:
2.50
